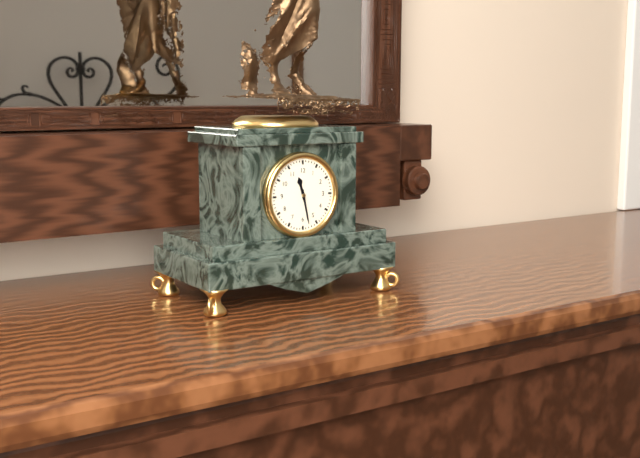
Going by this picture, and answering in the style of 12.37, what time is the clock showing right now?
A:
11.28
